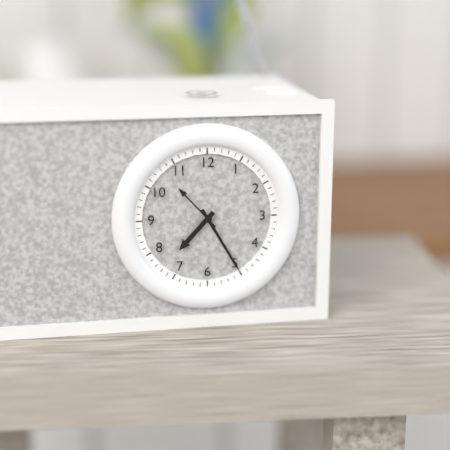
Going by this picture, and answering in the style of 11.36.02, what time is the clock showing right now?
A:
7.25.53
